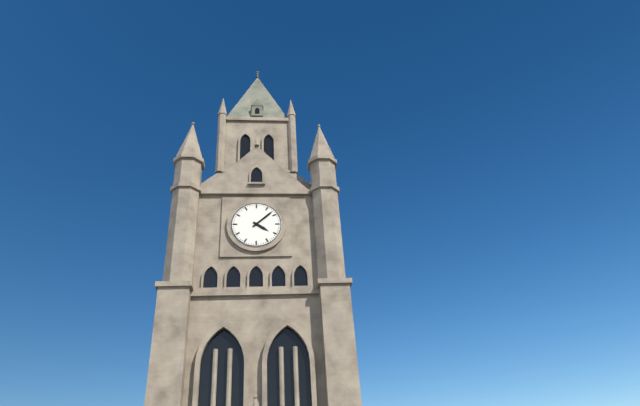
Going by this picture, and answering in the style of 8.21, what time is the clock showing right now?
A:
4.08
